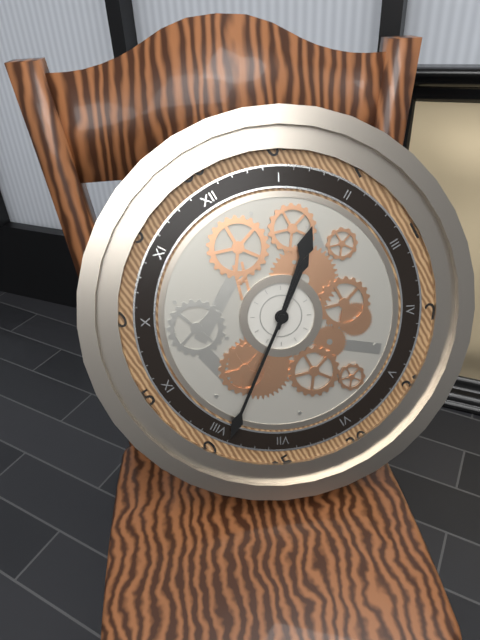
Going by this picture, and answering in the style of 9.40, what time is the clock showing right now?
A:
1.39
